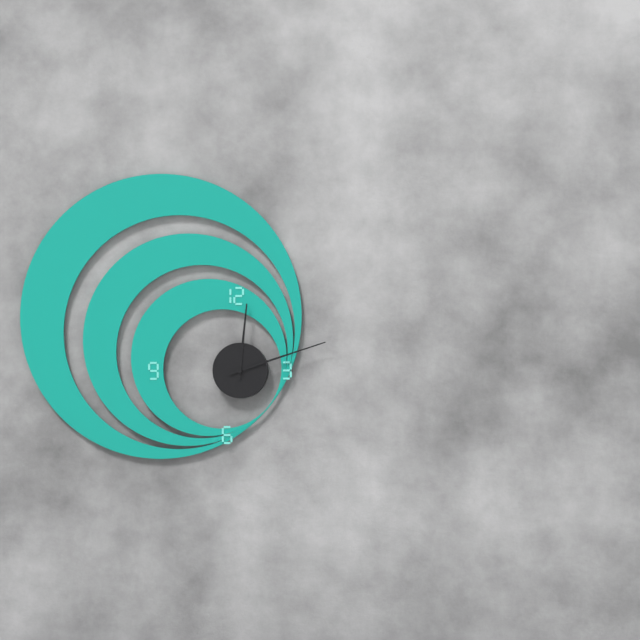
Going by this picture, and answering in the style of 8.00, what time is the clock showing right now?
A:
12.12
